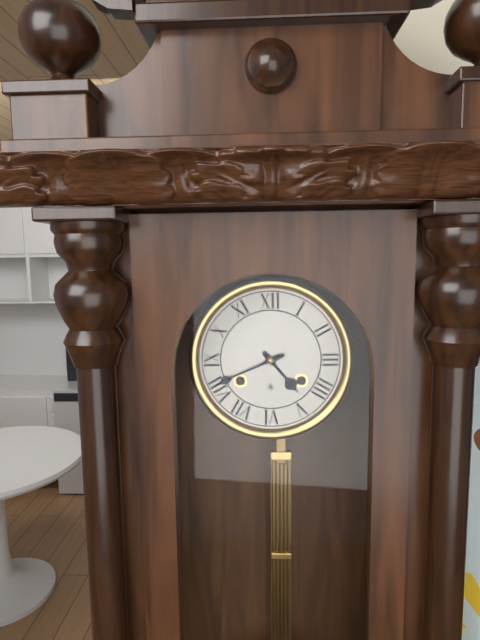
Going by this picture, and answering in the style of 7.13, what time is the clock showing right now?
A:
4.41
